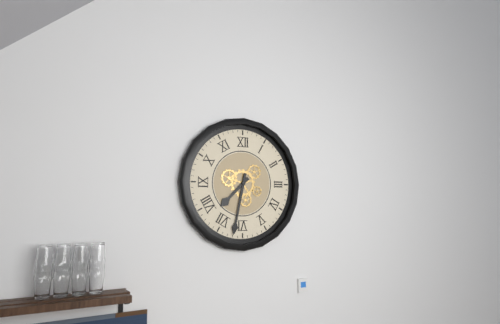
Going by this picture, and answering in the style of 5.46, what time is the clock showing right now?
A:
7.32
